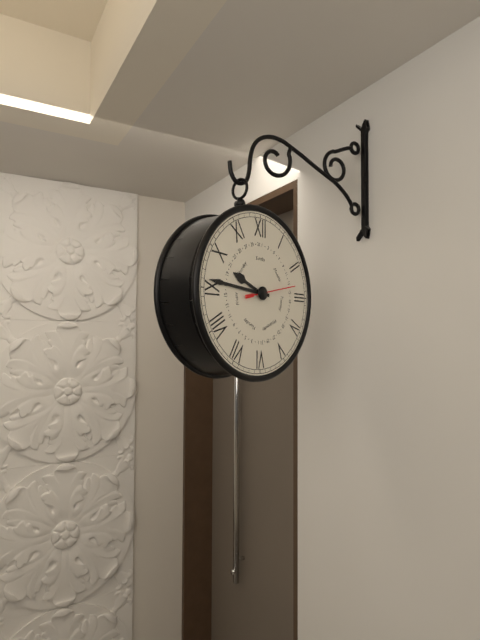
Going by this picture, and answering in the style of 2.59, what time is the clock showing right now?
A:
9.46
